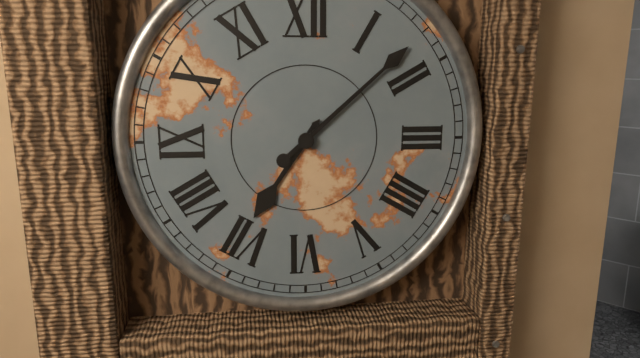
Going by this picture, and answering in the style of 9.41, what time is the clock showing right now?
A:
7.08
